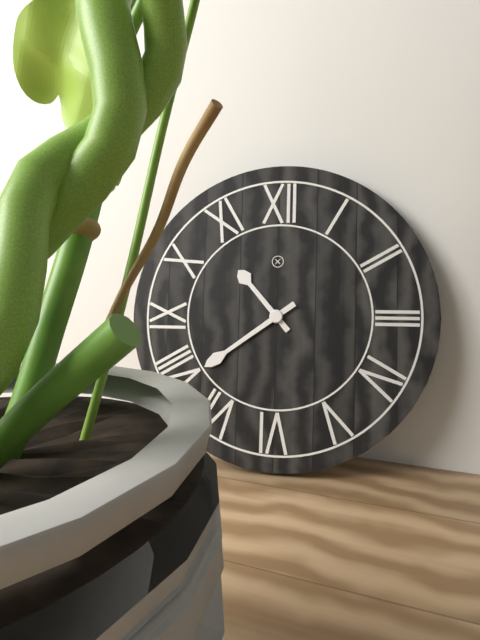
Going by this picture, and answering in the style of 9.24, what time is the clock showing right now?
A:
10.39
